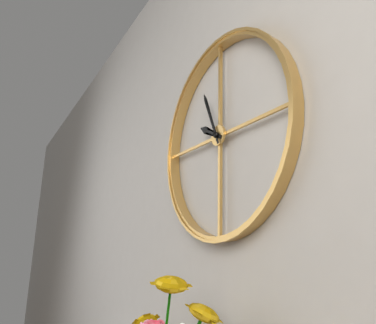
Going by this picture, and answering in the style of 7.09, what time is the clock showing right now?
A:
9.56
